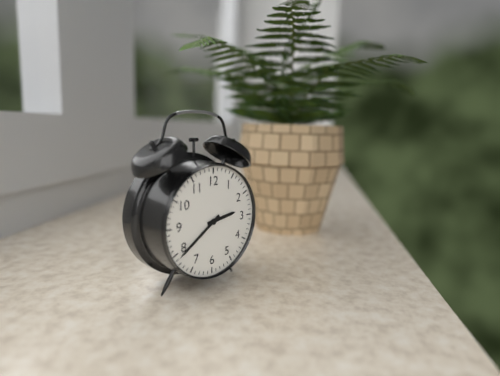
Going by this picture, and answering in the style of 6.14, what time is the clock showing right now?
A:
2.39
